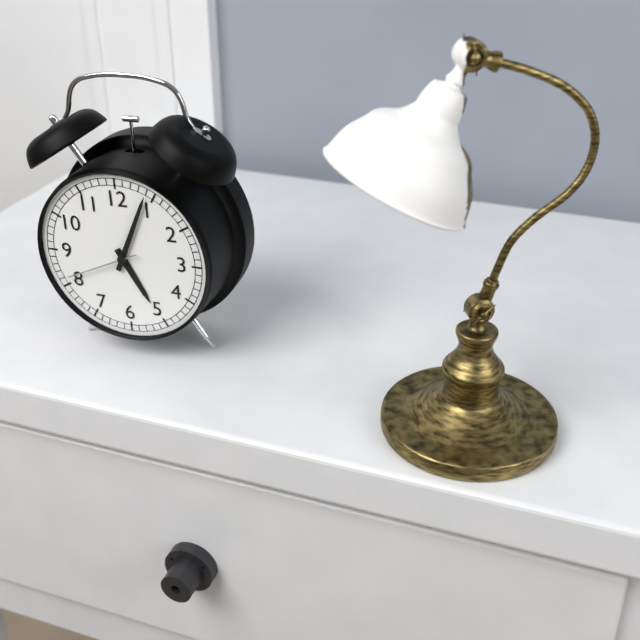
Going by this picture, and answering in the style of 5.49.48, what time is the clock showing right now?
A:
5.04.41
